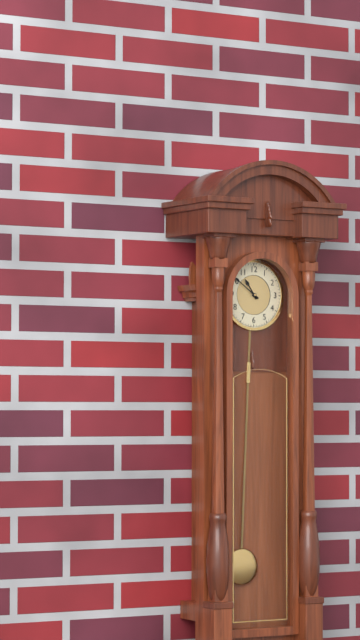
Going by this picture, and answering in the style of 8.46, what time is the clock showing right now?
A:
10.51
